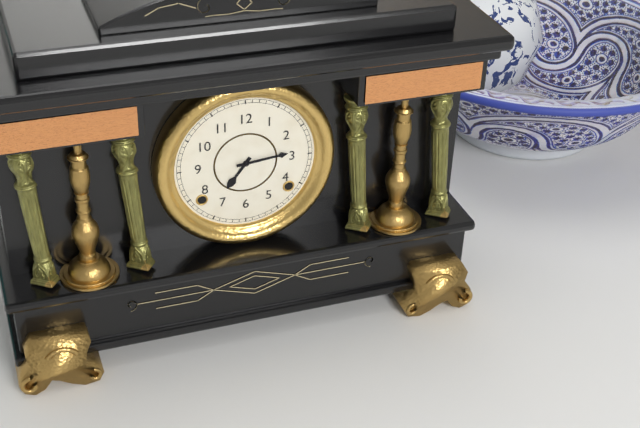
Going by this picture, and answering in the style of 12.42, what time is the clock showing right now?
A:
7.14
